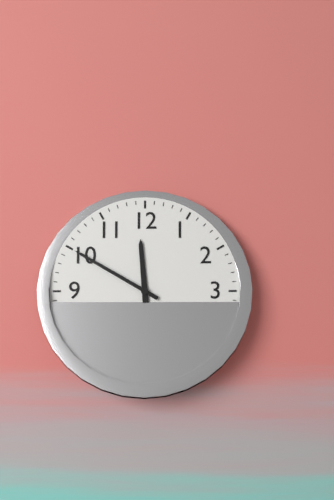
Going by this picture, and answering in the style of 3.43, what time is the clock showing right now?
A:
11.50
